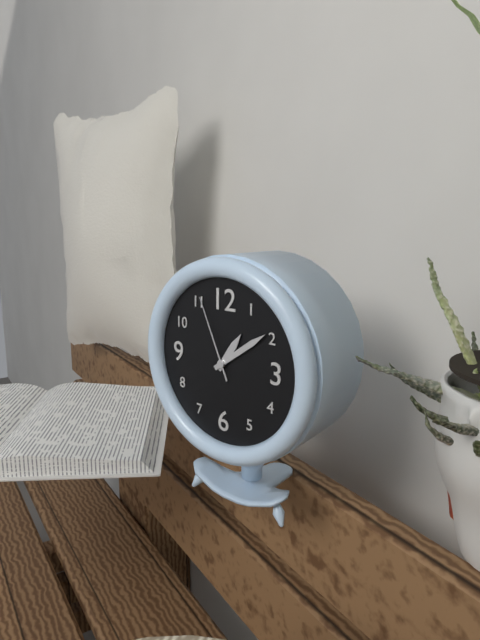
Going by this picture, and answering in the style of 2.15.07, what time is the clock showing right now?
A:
1.09.56
